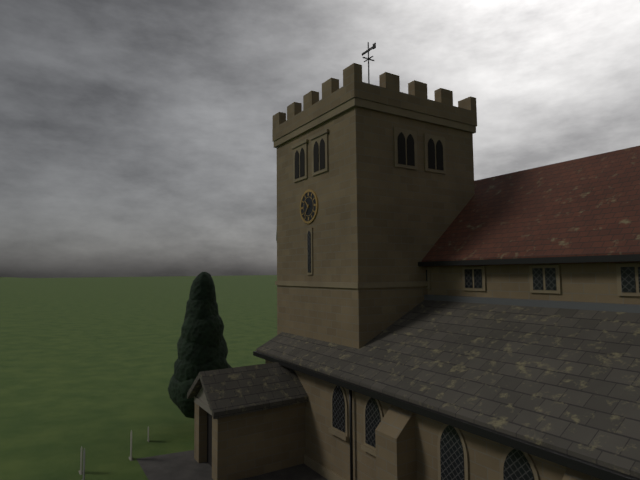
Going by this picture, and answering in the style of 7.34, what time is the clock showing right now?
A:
10.36
